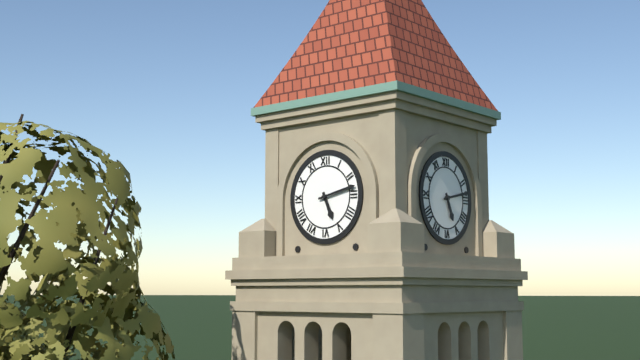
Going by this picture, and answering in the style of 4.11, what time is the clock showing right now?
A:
5.13
